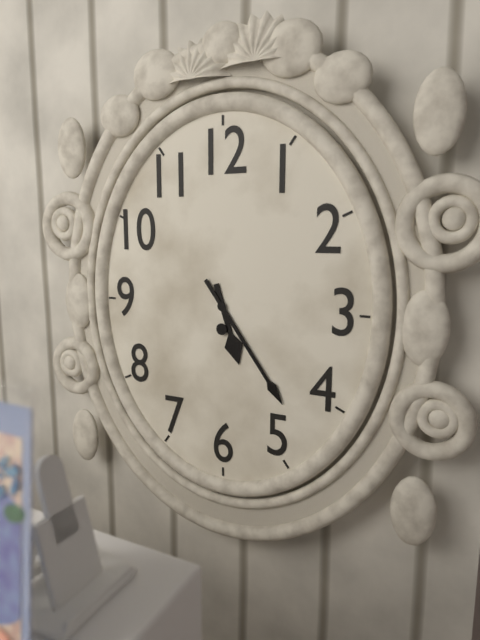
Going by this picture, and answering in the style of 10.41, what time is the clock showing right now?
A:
5.24
